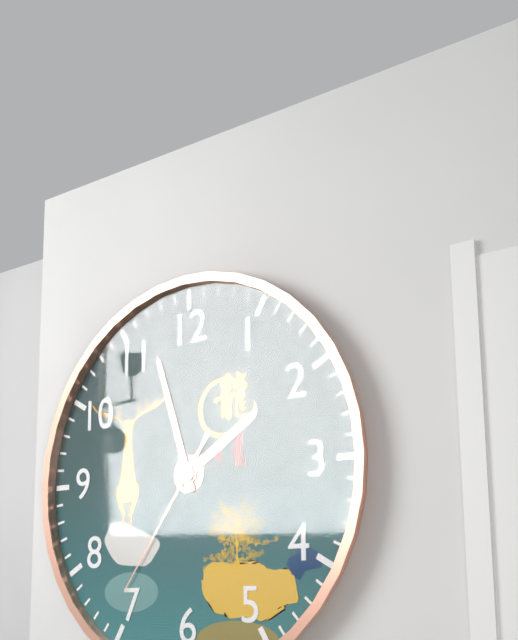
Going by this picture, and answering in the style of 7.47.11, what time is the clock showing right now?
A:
1.57.36
